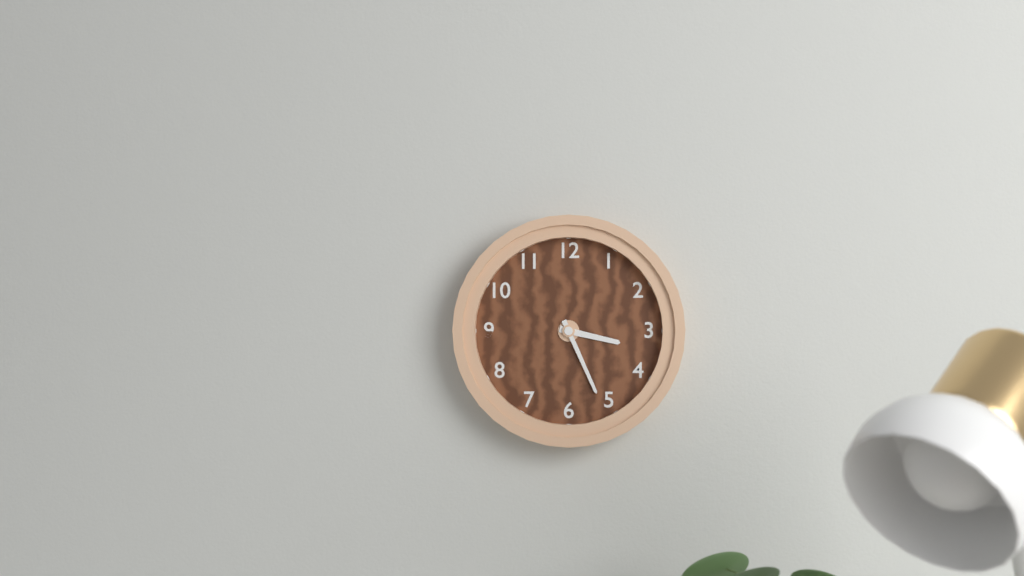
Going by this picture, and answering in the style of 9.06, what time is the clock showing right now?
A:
3.26
